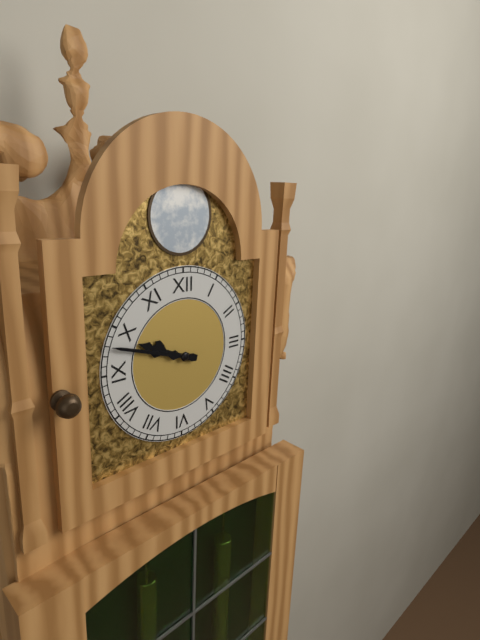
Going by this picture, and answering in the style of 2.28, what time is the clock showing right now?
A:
9.48
